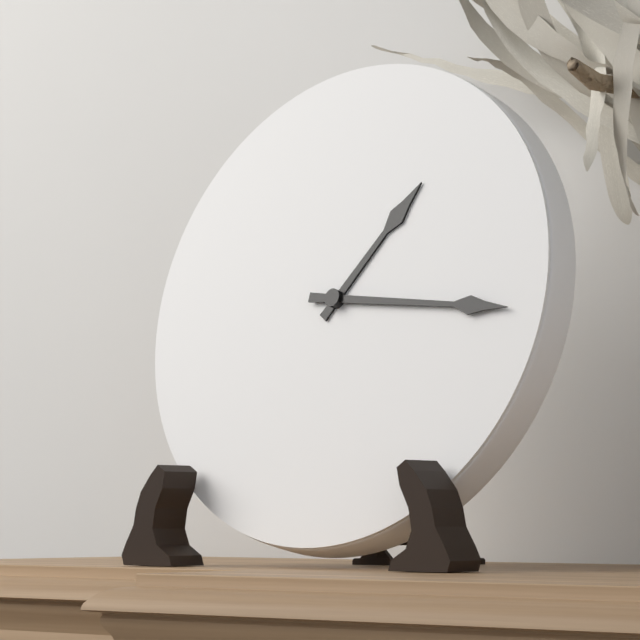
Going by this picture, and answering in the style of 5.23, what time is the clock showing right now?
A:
1.16
